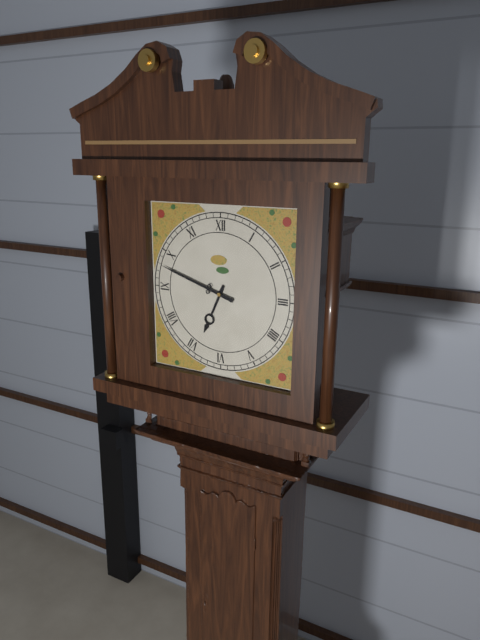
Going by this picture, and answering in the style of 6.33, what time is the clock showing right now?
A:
6.48
